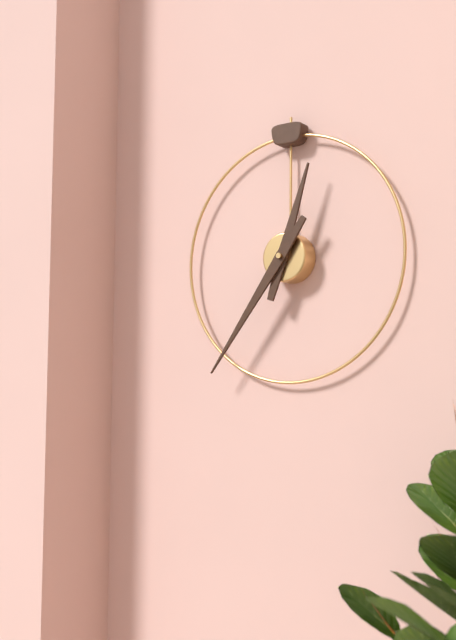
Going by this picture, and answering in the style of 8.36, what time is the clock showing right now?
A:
12.36
